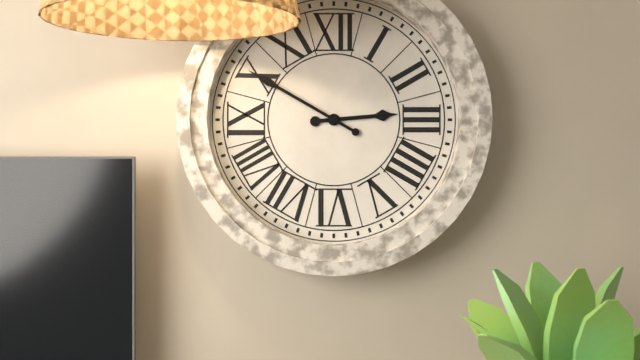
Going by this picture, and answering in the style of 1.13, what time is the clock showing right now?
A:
2.50
